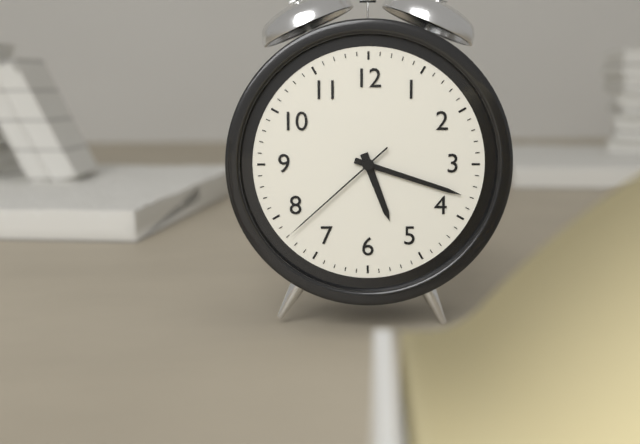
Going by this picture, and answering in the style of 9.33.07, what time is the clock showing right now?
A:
5.18.38
